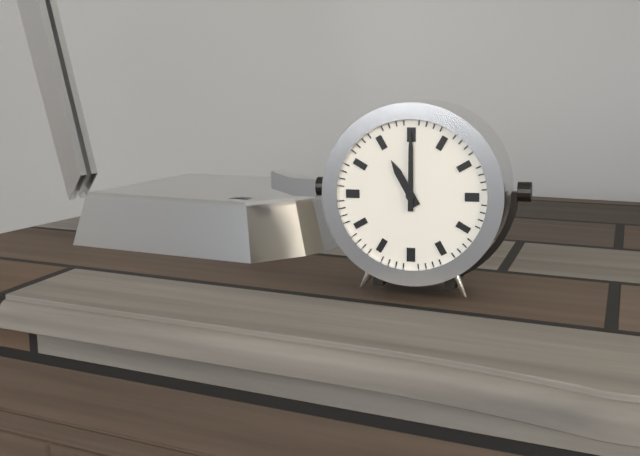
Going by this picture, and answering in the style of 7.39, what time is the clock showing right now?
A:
11.00
